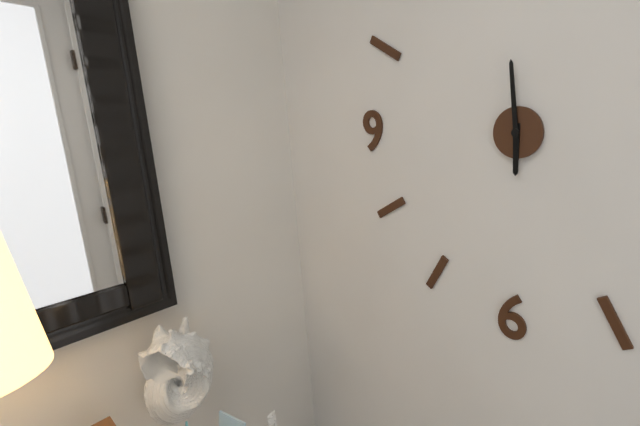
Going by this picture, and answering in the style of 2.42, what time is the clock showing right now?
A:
5.59
